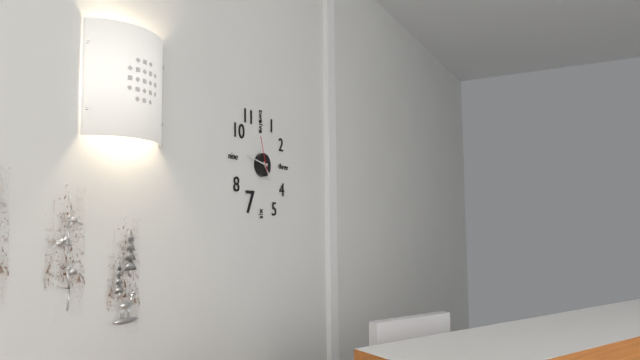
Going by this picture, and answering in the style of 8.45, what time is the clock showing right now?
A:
4.47
